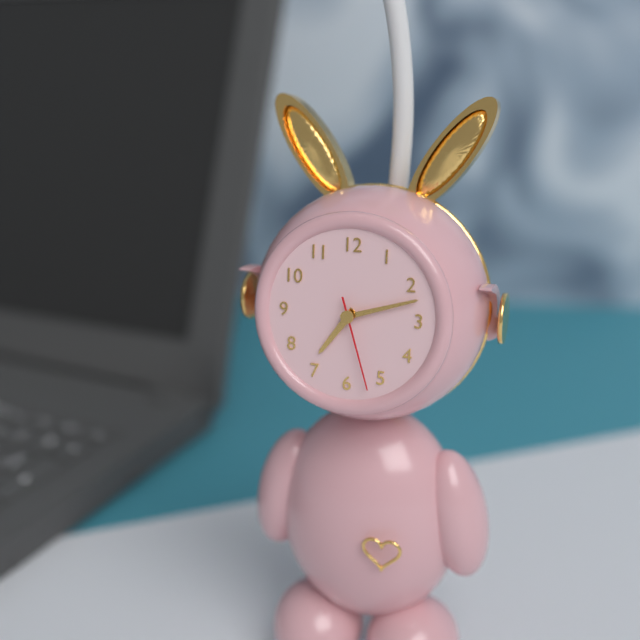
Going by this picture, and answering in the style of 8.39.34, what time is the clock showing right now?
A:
7.12.27
